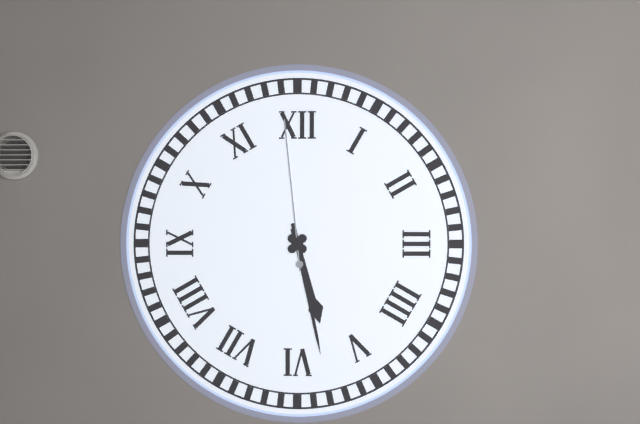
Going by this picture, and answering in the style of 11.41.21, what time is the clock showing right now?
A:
5.28.59
